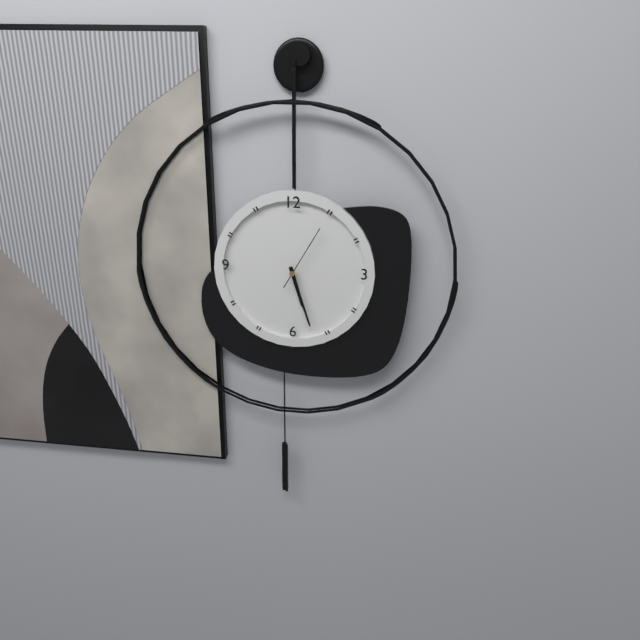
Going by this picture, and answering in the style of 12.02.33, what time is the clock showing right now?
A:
5.27.05
